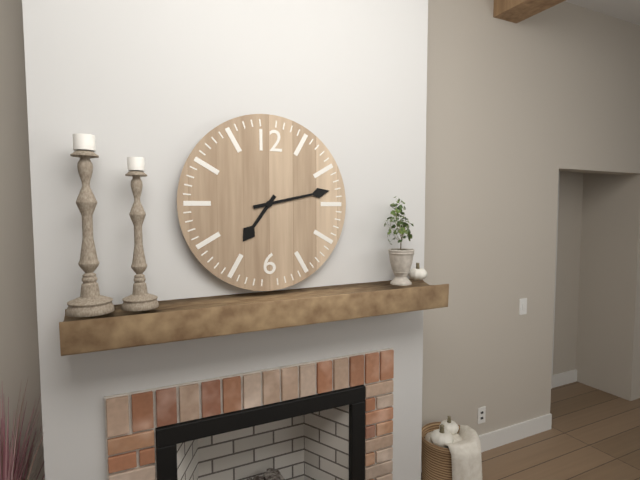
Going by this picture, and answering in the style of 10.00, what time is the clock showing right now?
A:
7.13
